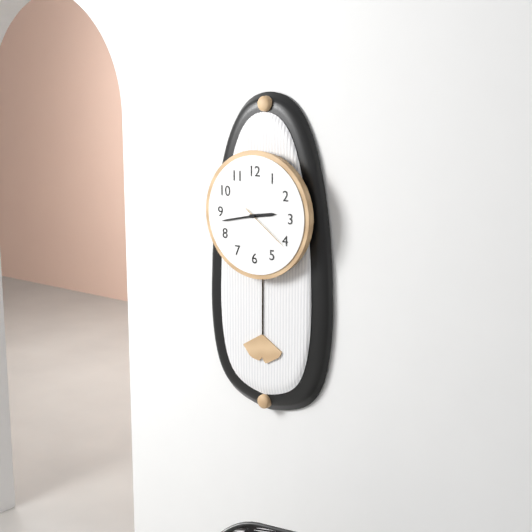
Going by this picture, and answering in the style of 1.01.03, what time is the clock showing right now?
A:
2.43.21
